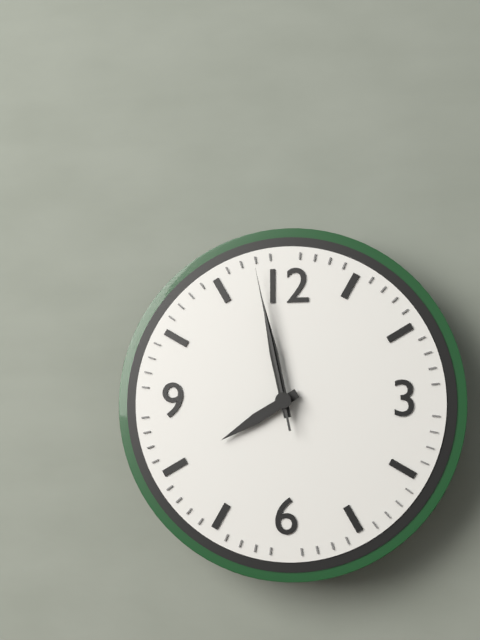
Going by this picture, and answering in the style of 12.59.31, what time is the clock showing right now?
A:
7.58.58
